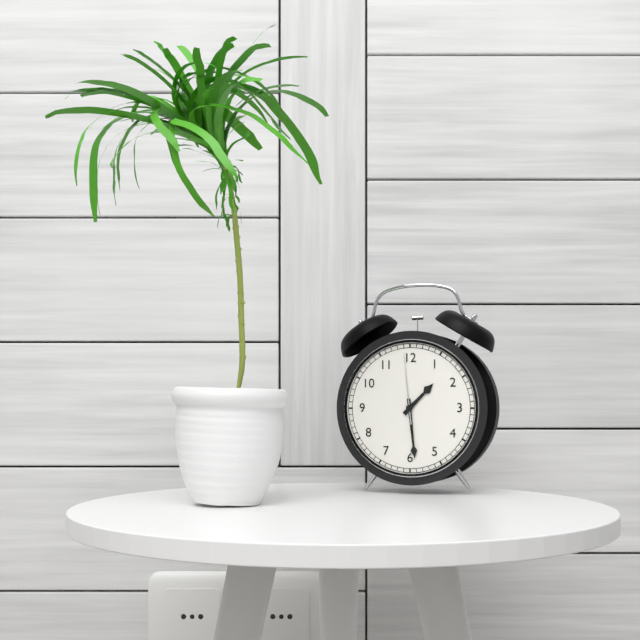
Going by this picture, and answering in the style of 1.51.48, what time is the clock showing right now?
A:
1.29.59
